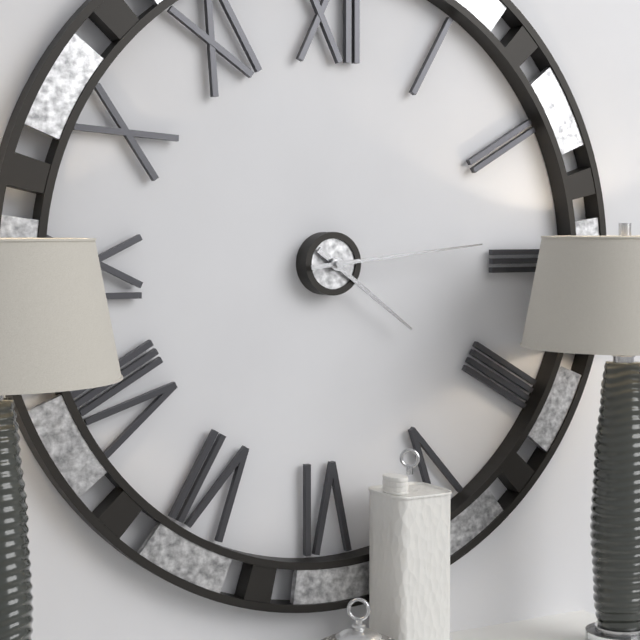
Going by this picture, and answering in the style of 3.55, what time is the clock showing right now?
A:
4.14
